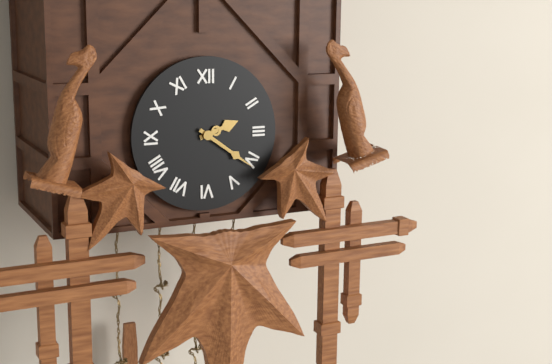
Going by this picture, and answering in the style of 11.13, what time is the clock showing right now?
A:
2.21
